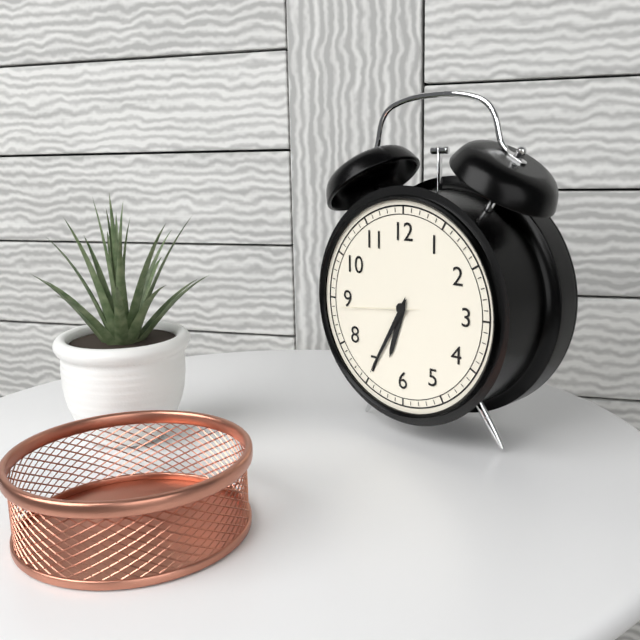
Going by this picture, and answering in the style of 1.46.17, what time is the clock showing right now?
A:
6.35.44
